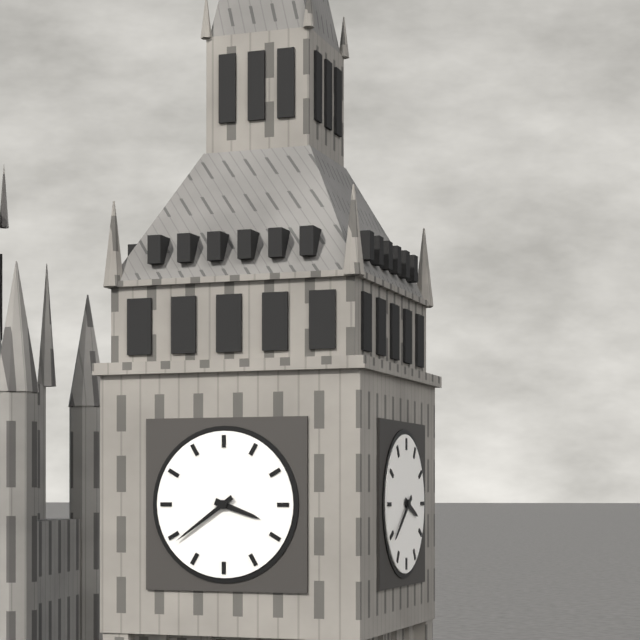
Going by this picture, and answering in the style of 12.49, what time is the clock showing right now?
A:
3.39
